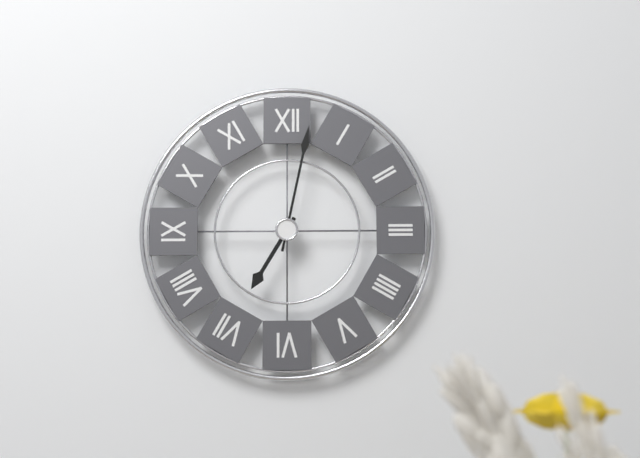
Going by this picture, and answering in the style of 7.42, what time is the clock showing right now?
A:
7.02
